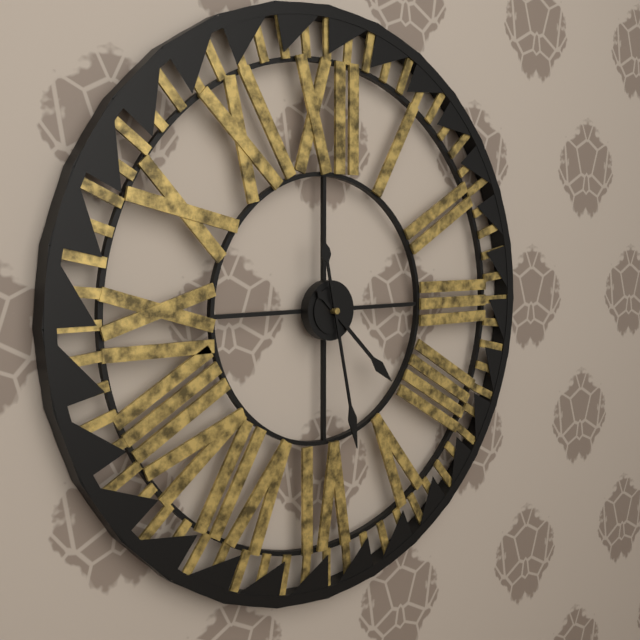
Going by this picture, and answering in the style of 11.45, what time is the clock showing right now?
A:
4.28
